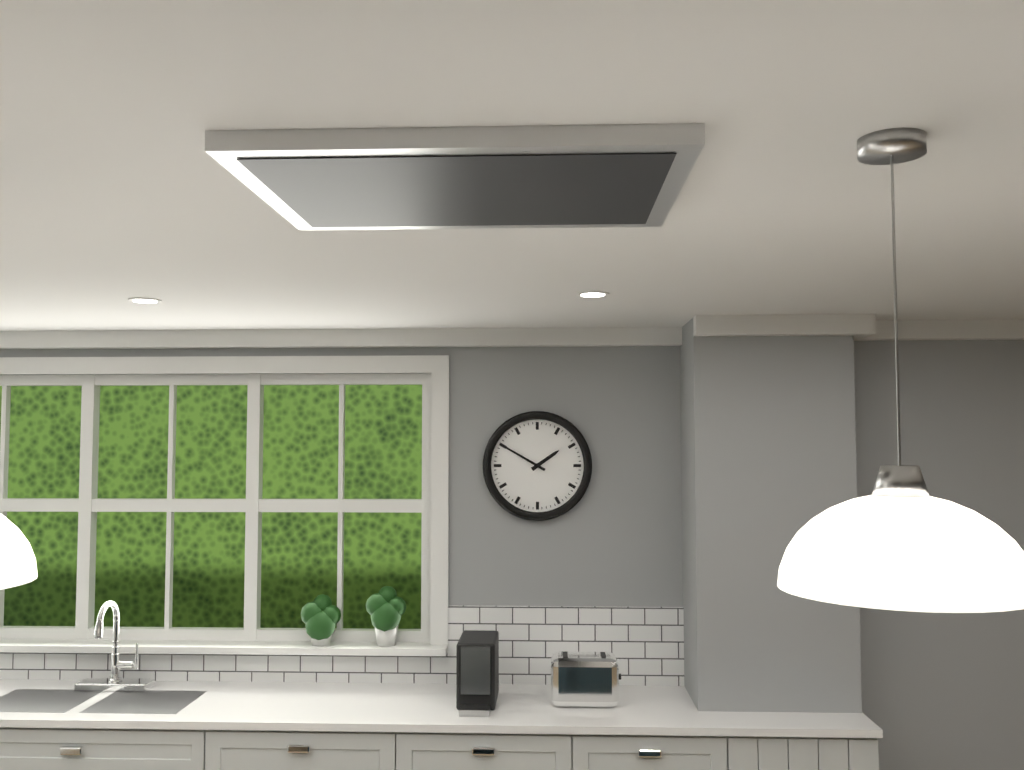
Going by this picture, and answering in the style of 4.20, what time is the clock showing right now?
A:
1.50
